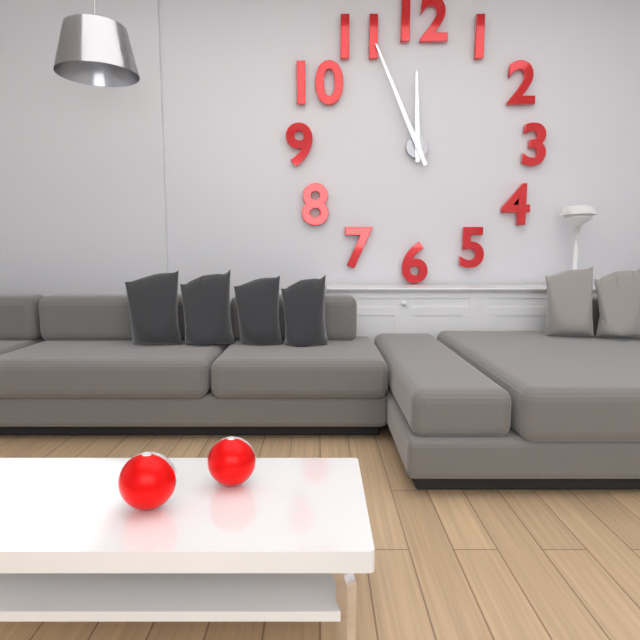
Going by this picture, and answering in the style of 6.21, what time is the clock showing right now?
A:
11.56
